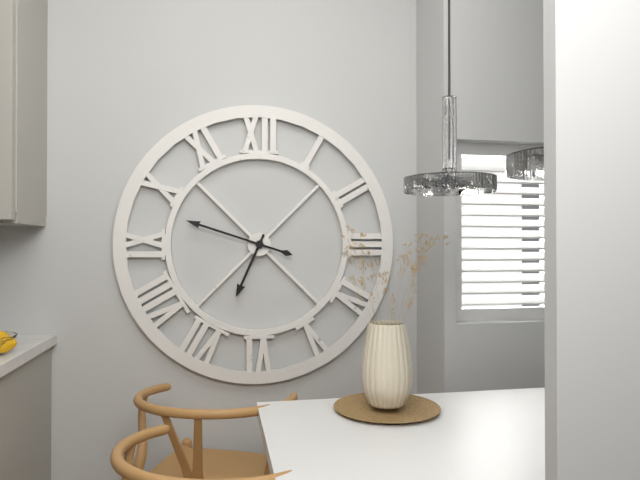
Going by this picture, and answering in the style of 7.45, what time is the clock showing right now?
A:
6.48
